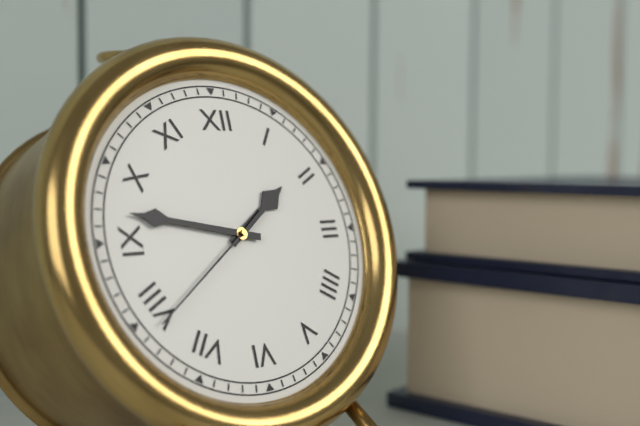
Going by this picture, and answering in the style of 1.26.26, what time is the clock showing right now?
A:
1.47.39
